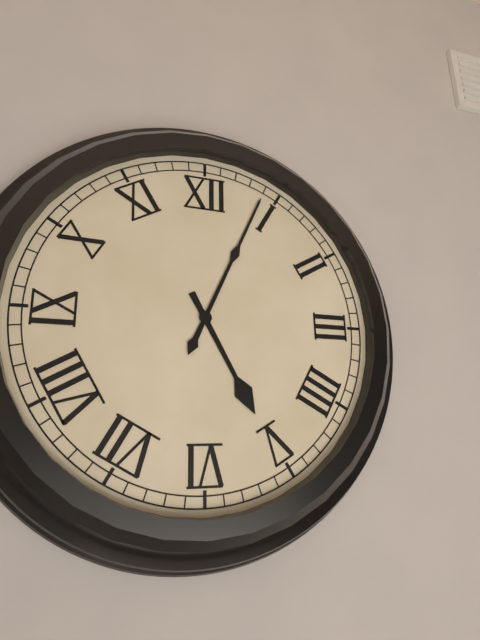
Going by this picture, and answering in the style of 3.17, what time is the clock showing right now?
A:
5.04
